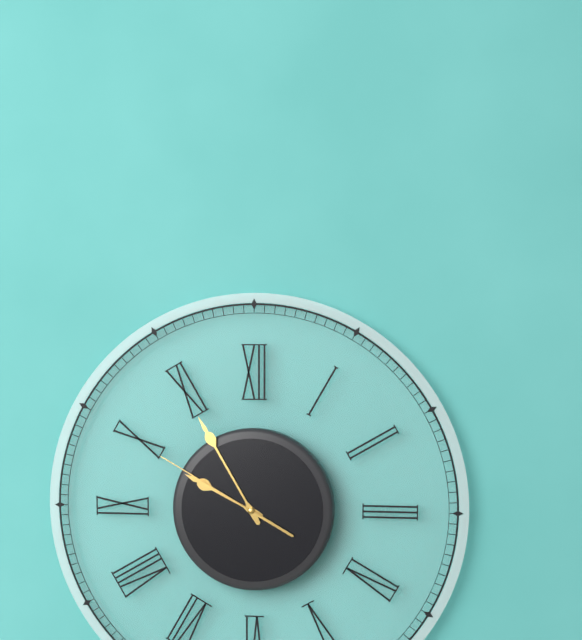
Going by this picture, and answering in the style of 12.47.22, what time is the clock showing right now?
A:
9.55.50
